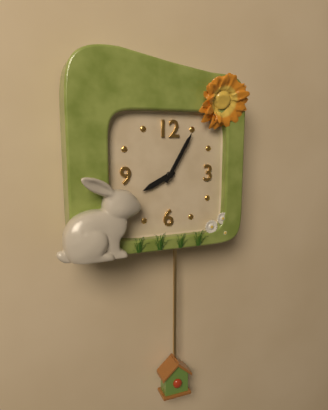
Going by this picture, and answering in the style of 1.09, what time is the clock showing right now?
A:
8.05
